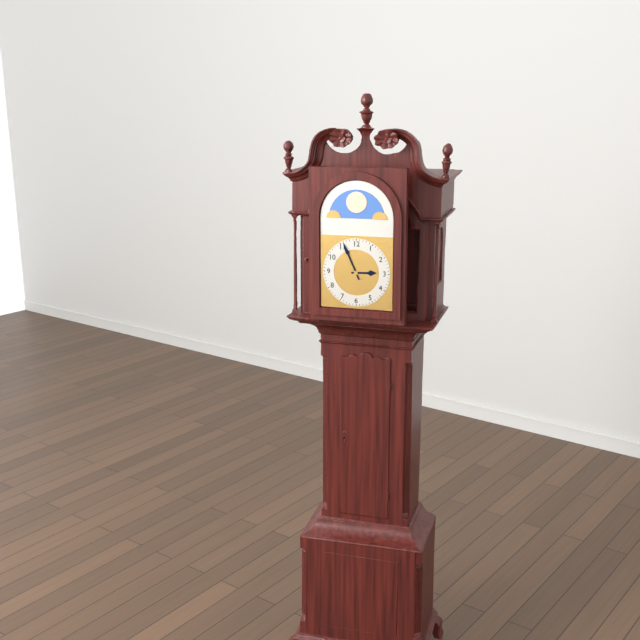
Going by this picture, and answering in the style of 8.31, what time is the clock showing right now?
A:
2.56
